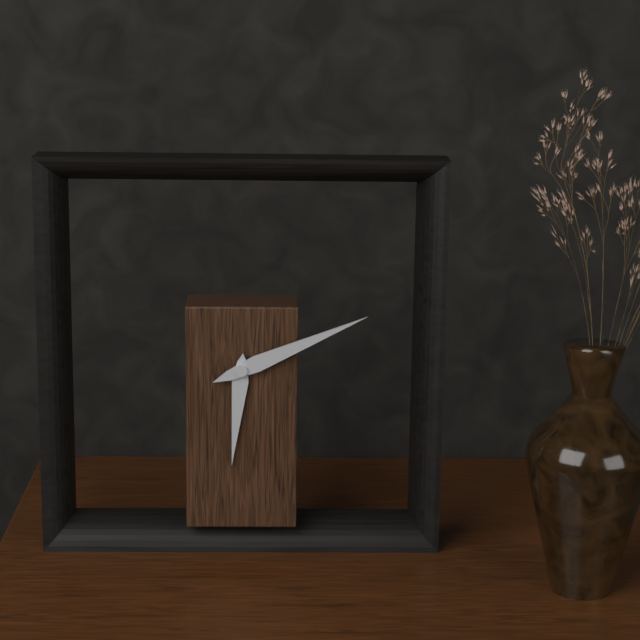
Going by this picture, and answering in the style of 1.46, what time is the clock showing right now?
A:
6.11
